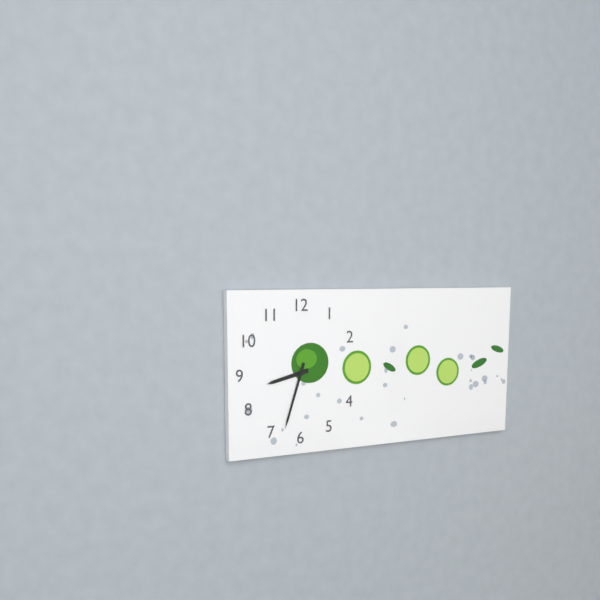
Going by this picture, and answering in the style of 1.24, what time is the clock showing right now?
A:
8.33
